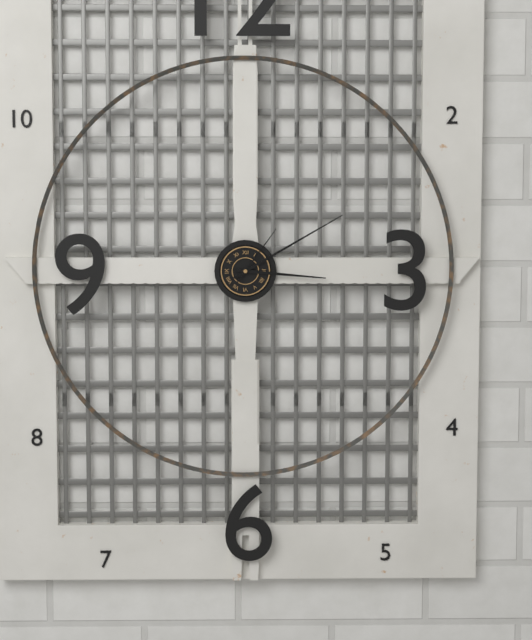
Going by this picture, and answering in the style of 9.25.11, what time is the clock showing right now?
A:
3.10.06
